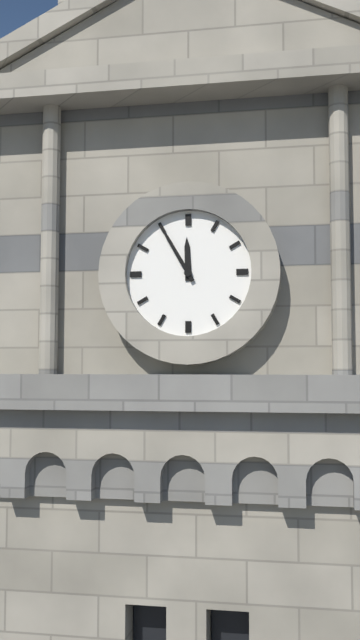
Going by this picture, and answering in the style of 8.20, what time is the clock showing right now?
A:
11.55
